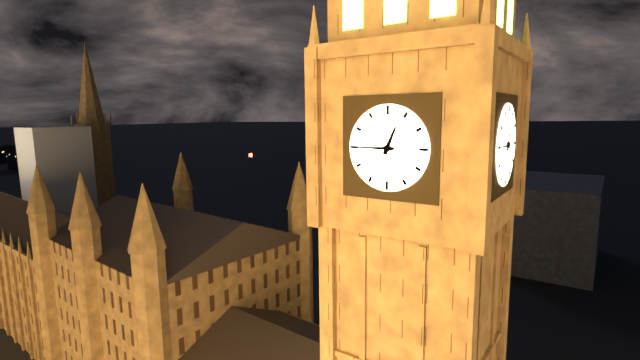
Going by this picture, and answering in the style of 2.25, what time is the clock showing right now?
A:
12.45
